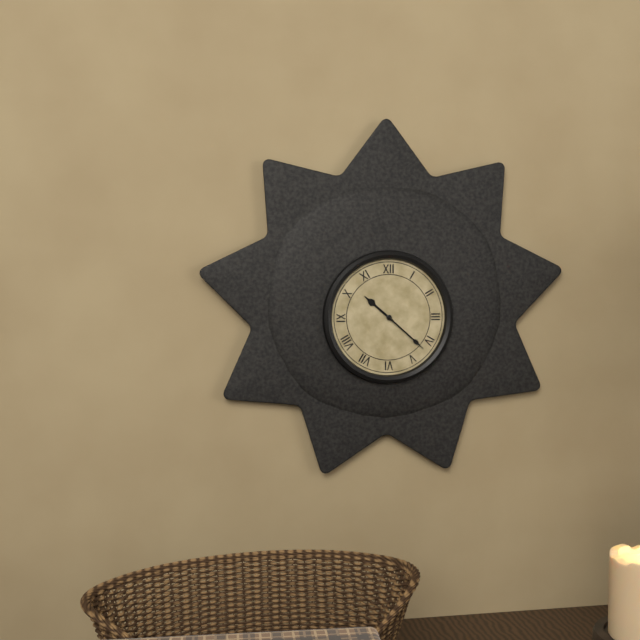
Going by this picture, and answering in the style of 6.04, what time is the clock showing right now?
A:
10.22
